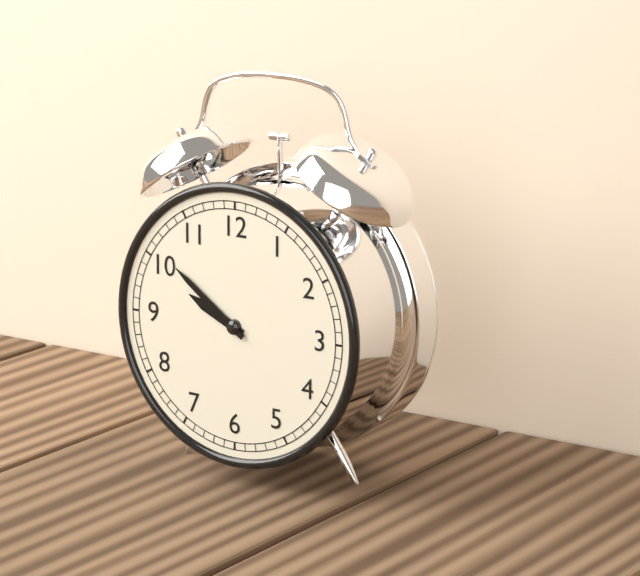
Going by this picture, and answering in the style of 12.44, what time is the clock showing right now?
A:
9.51
